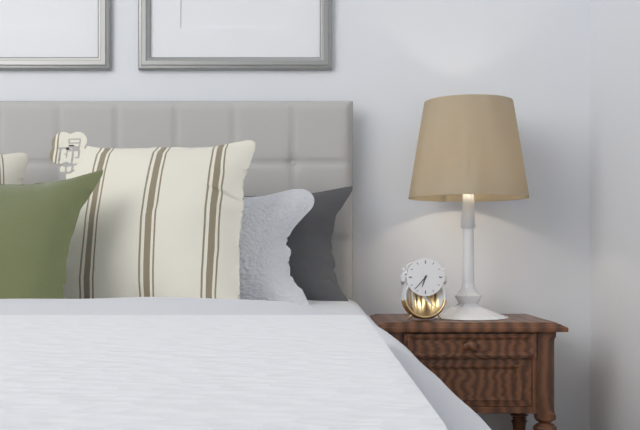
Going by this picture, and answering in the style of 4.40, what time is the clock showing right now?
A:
6.37
